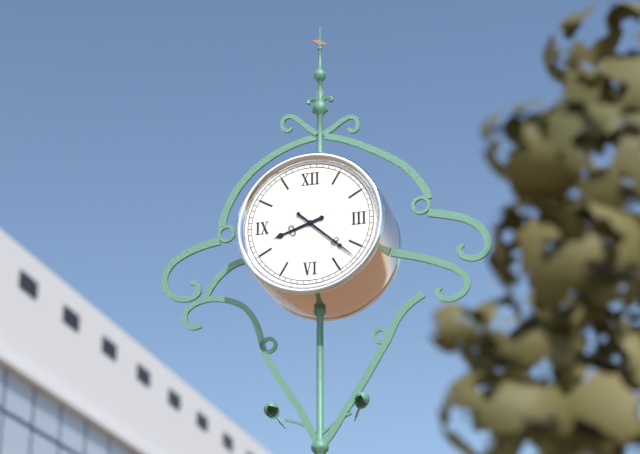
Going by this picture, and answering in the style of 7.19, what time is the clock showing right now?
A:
8.22
